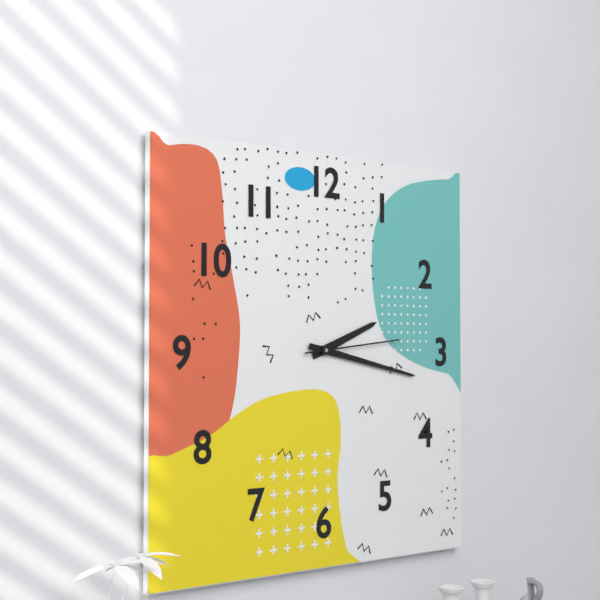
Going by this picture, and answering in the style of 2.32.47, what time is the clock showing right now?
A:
2.17.14
